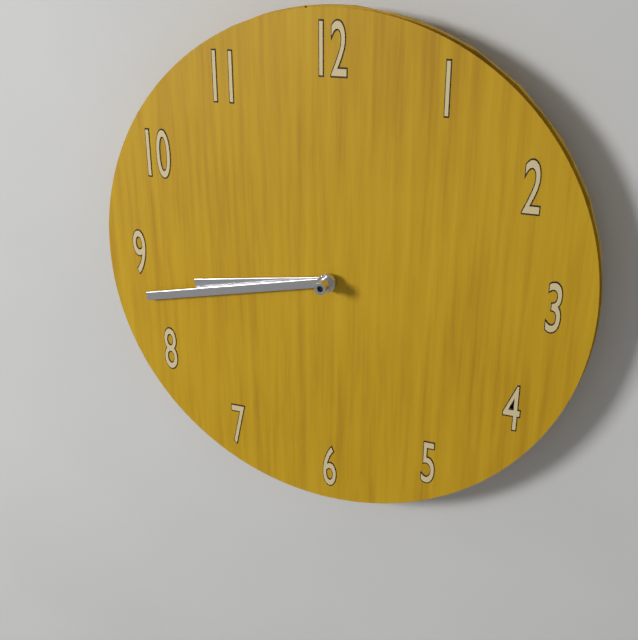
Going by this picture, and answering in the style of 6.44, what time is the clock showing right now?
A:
8.43
